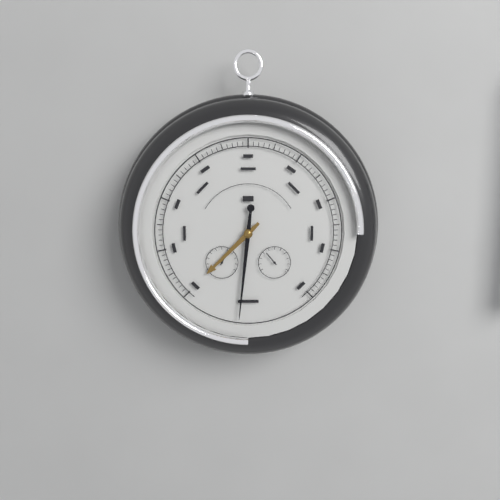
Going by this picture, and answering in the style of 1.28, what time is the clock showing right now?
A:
7.31
